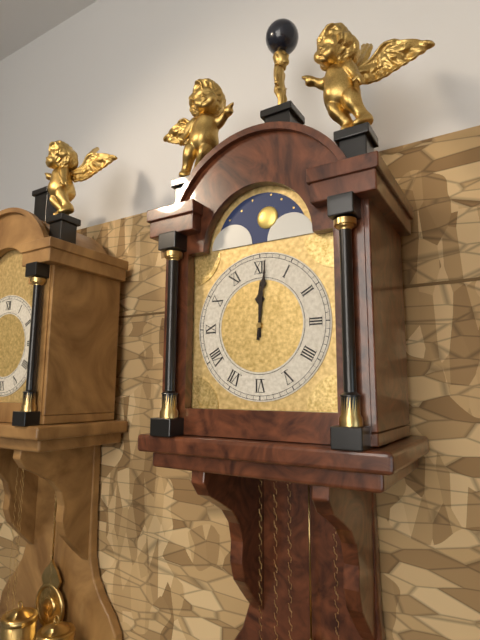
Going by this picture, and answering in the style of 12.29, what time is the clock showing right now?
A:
12.01
